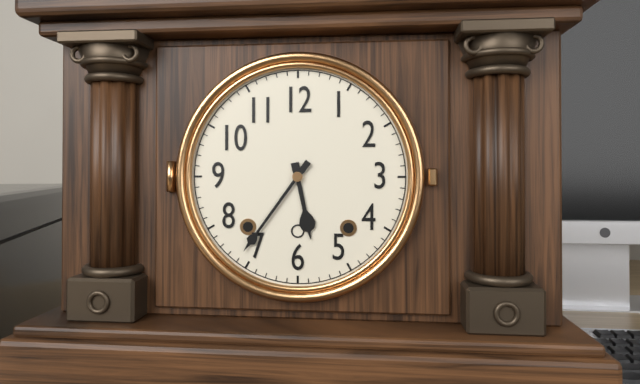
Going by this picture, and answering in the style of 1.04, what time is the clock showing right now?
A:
5.36
